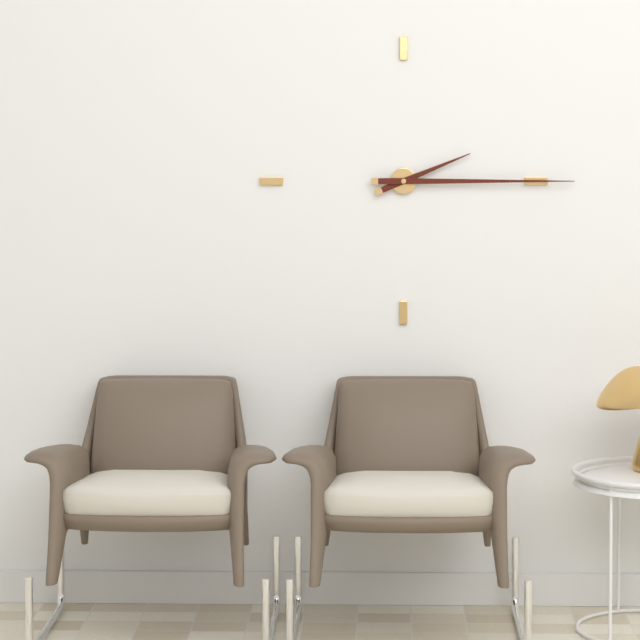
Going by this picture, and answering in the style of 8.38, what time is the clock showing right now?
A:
2.15
